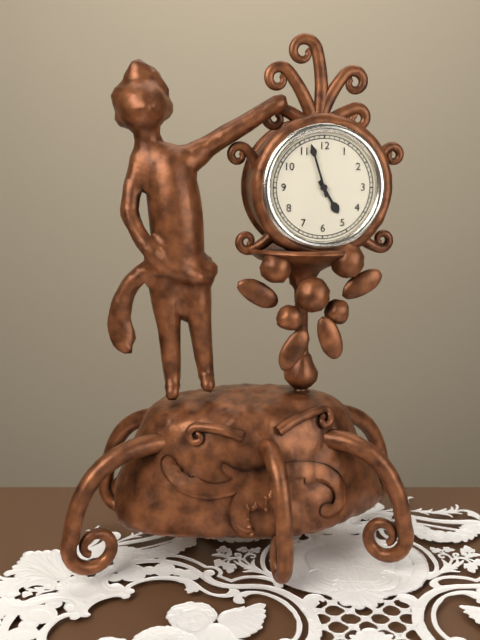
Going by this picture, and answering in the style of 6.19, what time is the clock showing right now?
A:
4.57
